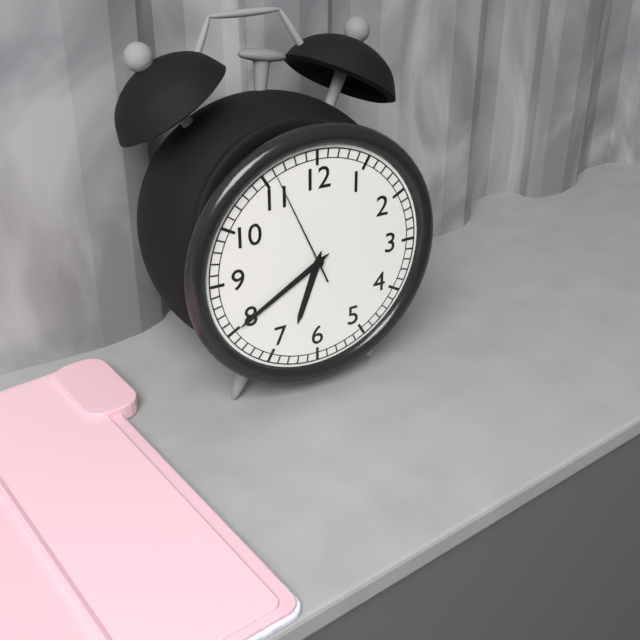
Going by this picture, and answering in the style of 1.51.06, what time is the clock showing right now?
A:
6.40.56
